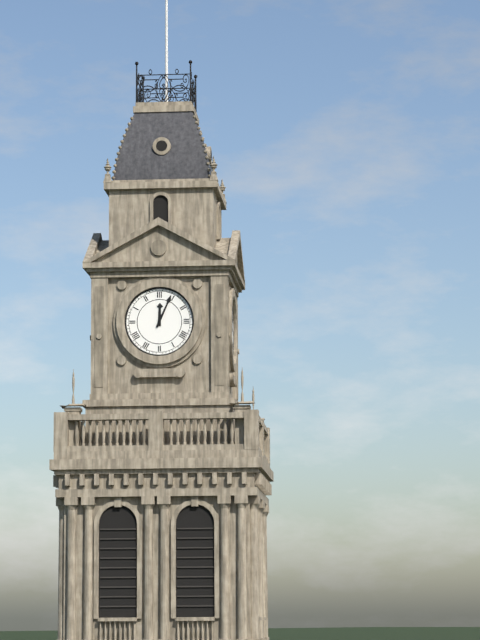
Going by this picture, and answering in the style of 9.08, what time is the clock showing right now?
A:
12.04
